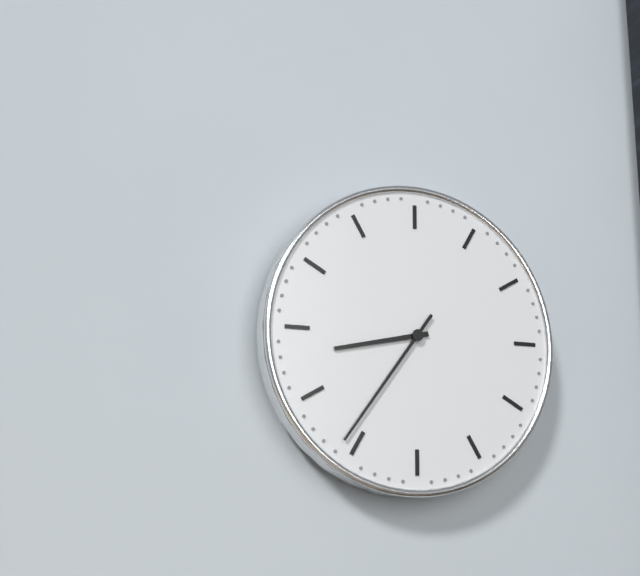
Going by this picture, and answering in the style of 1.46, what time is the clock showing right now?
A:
8.36
